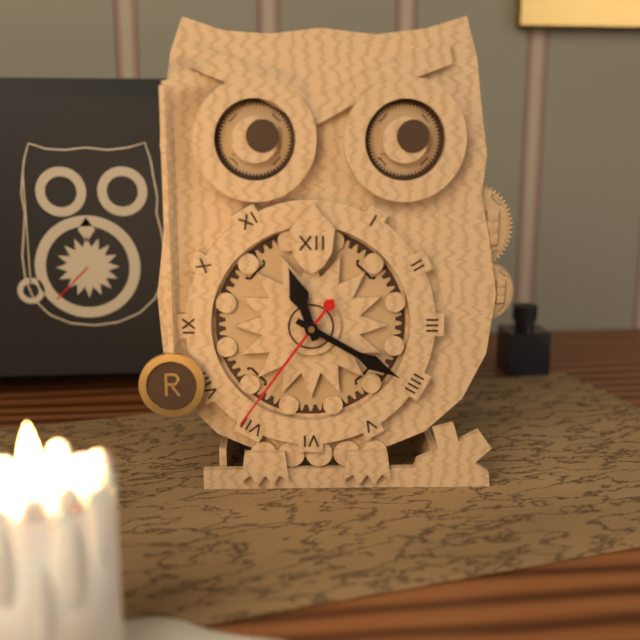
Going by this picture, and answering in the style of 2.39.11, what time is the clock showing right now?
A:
11.20.36
